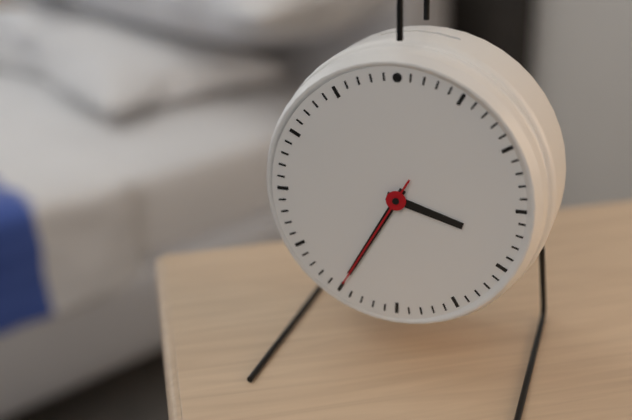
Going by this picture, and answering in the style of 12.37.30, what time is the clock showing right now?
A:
3.35.35
